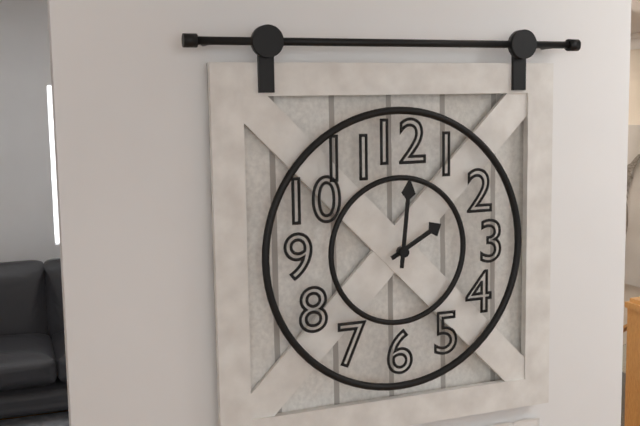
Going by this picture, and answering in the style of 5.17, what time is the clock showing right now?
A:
2.01
